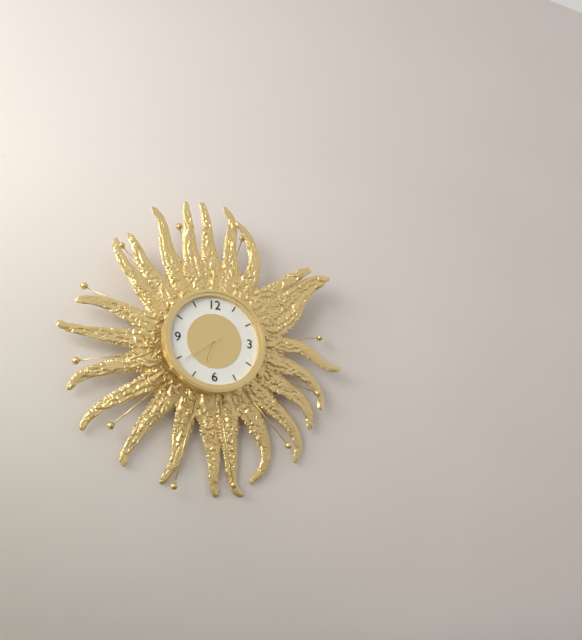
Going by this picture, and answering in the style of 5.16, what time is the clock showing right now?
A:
6.39
